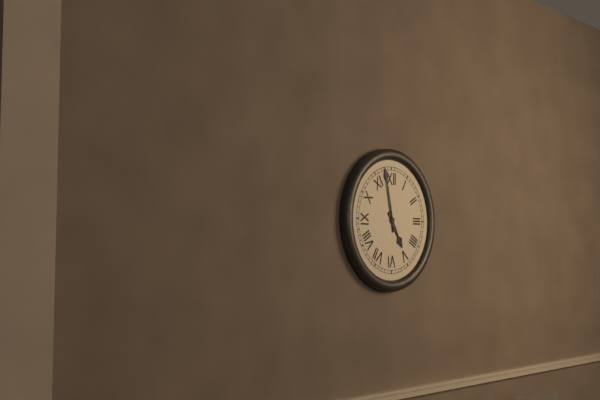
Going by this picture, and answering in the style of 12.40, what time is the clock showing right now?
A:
4.58
